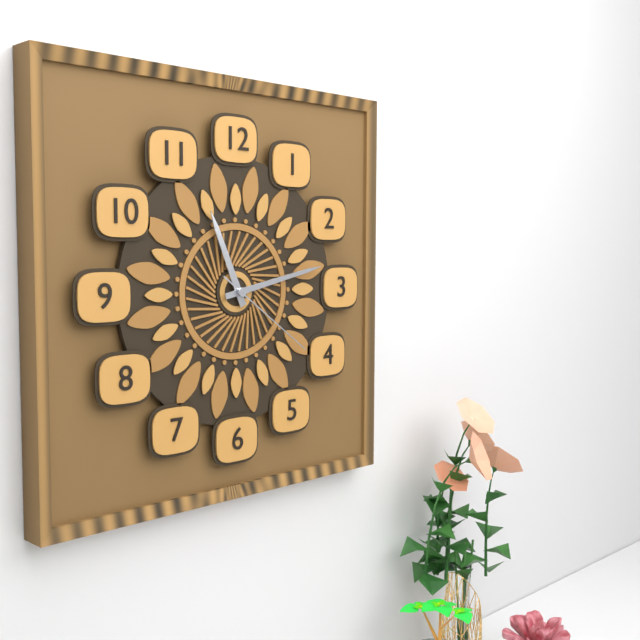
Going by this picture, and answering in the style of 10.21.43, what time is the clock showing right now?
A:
11.13.21
